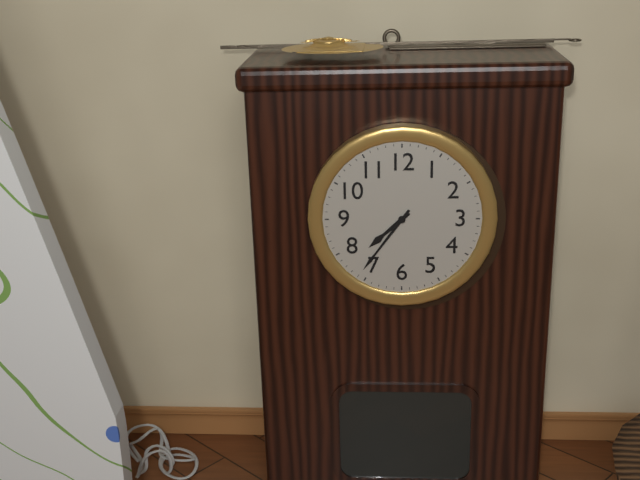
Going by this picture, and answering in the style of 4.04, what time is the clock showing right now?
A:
7.36
